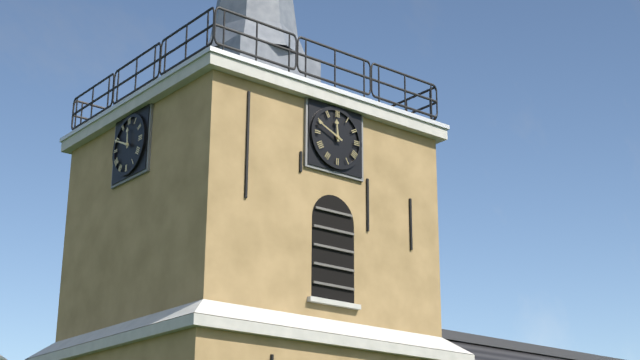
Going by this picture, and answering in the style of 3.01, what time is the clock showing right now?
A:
11.49
